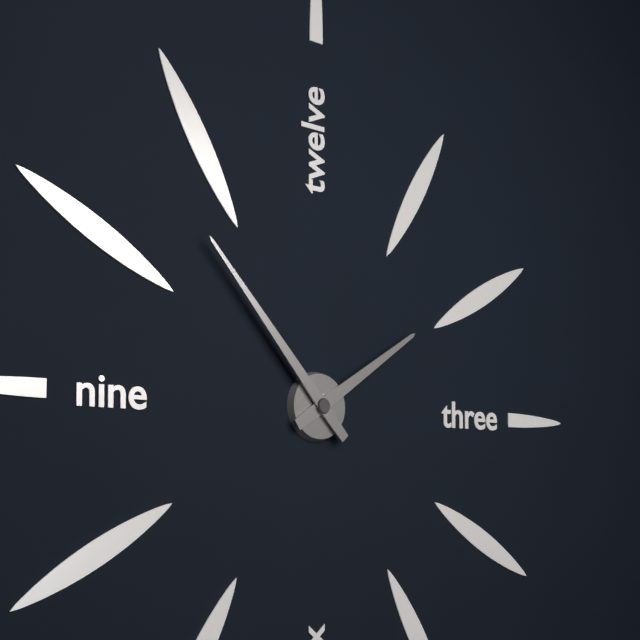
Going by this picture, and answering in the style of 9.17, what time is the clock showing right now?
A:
1.53
